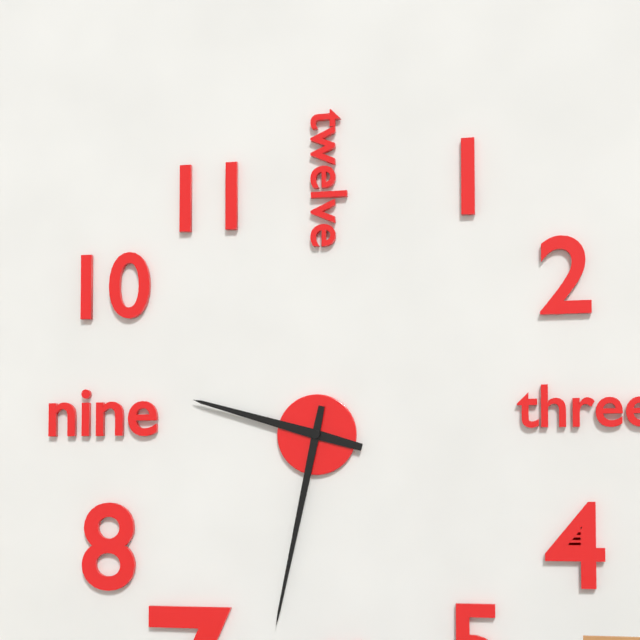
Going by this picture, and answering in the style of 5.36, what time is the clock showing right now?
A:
9.32
